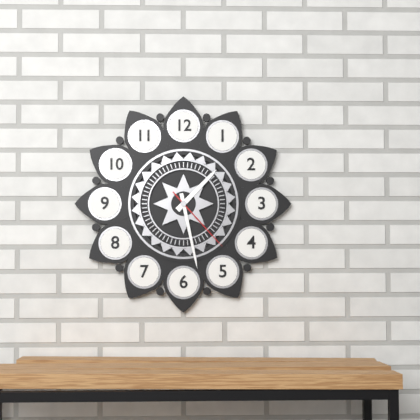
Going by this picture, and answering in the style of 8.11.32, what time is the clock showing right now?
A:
1.28.23
